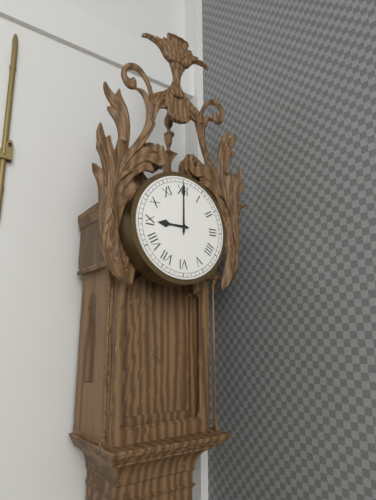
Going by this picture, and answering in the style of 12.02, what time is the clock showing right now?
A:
9.00
